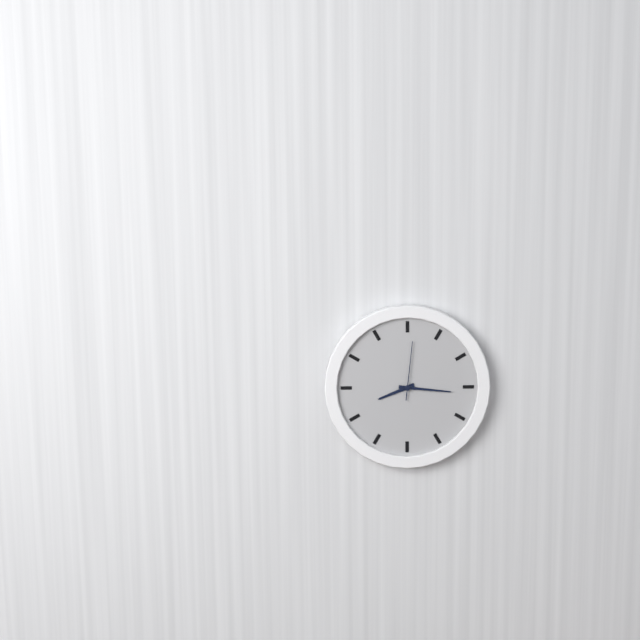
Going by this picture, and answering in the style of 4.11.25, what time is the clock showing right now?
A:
8.16.01
